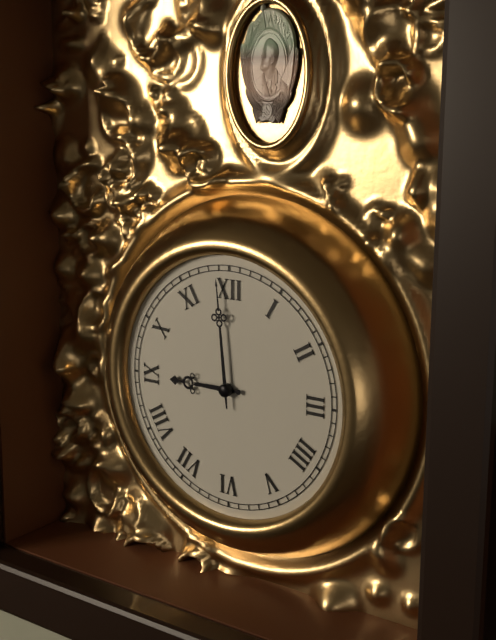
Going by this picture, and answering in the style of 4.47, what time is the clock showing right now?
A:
8.59
